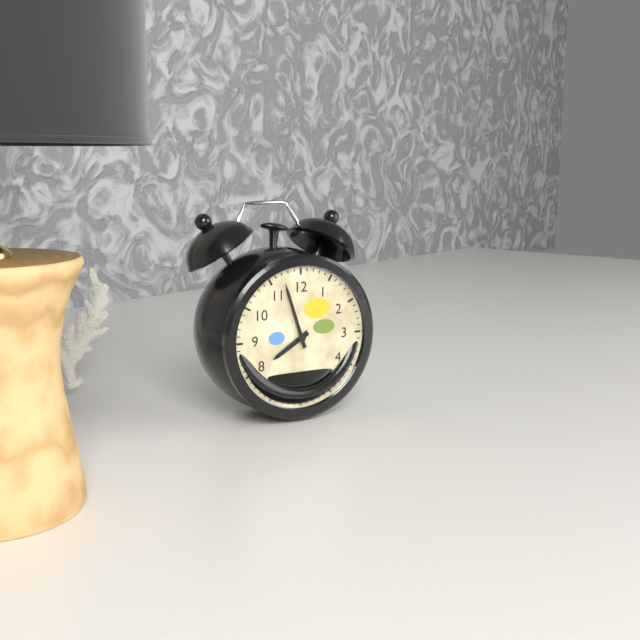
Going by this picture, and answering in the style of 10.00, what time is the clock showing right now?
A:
7.57
